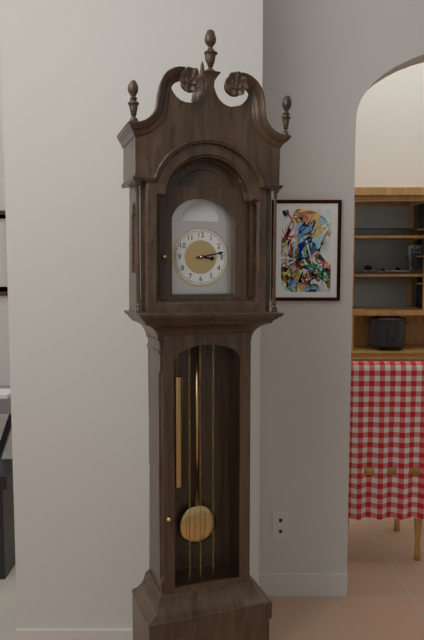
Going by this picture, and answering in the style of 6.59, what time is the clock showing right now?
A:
3.13
